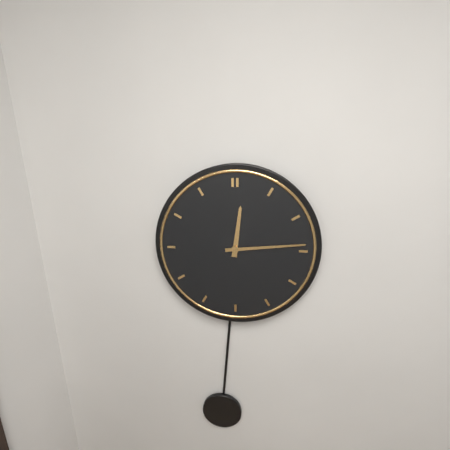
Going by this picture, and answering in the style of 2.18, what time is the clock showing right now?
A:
12.14
